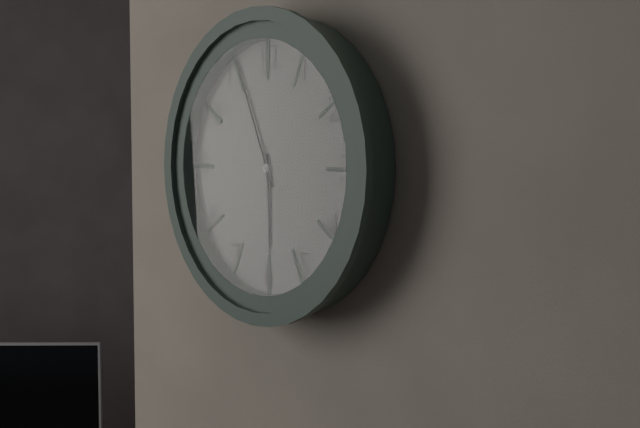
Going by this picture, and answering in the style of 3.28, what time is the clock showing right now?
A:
5.56
